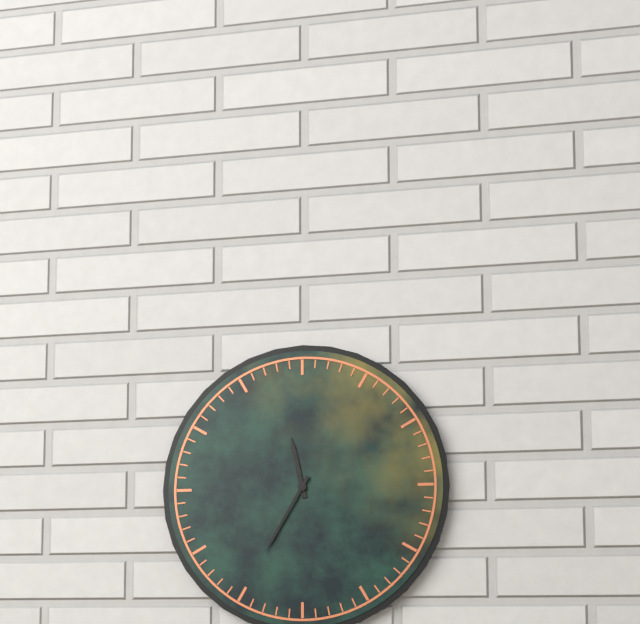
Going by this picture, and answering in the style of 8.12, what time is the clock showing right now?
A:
11.35
